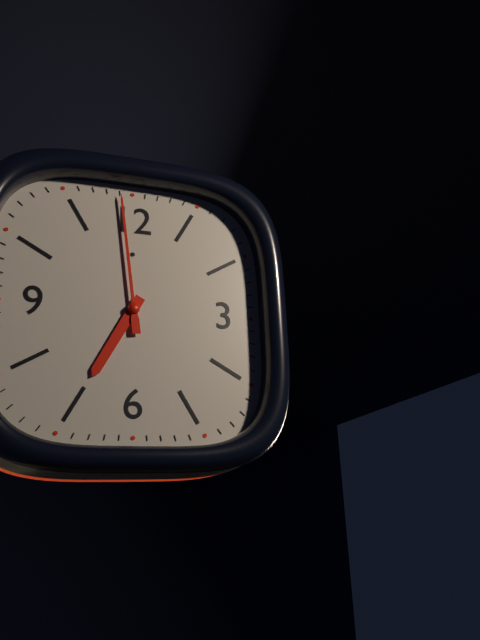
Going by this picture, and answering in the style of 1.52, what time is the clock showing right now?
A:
6.59
